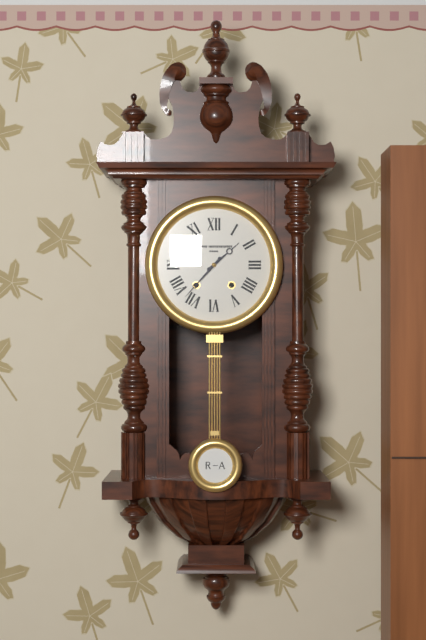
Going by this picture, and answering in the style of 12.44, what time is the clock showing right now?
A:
1.37
